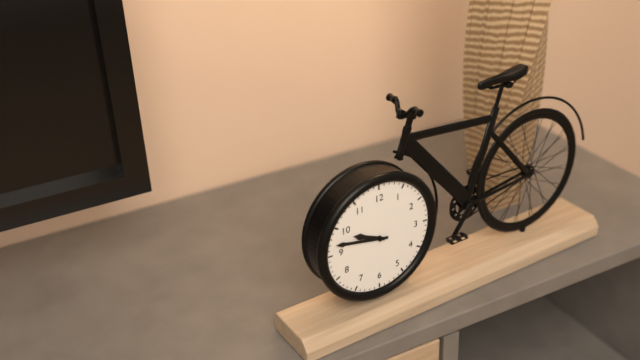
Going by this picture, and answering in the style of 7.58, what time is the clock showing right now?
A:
9.47
